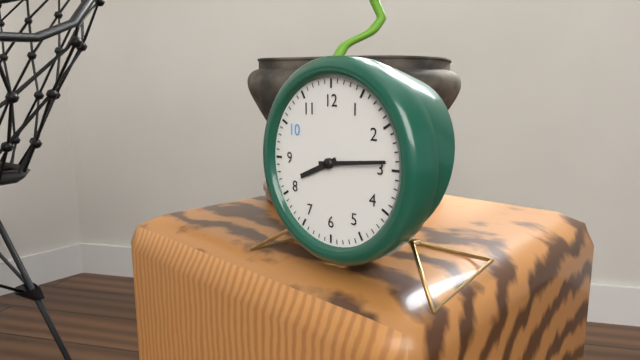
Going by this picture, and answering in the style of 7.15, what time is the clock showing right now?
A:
8.14
